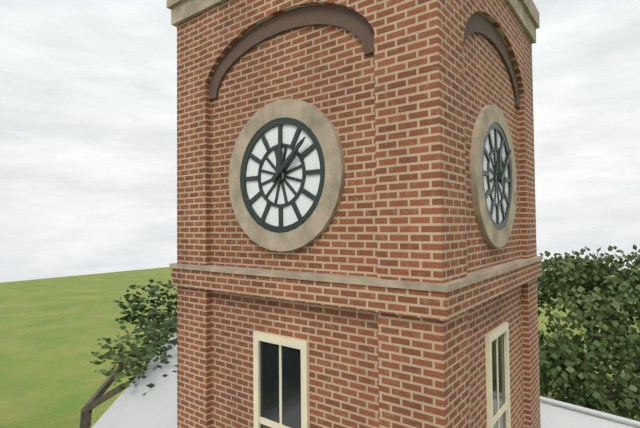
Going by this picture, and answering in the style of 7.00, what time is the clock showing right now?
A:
12.08
